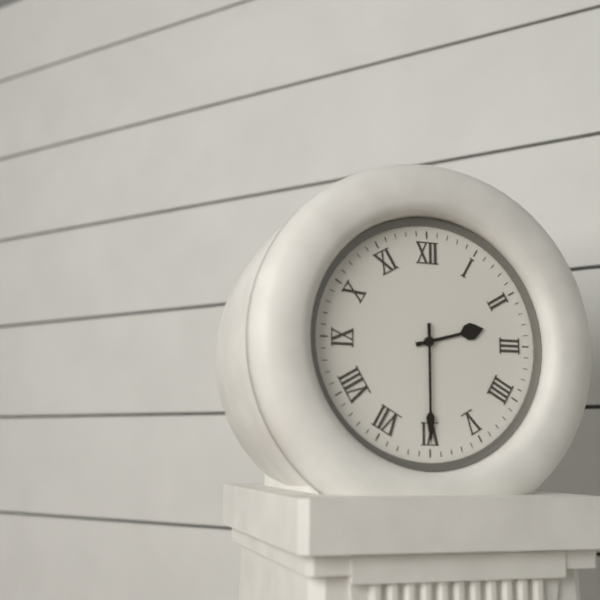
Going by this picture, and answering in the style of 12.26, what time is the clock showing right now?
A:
2.30
